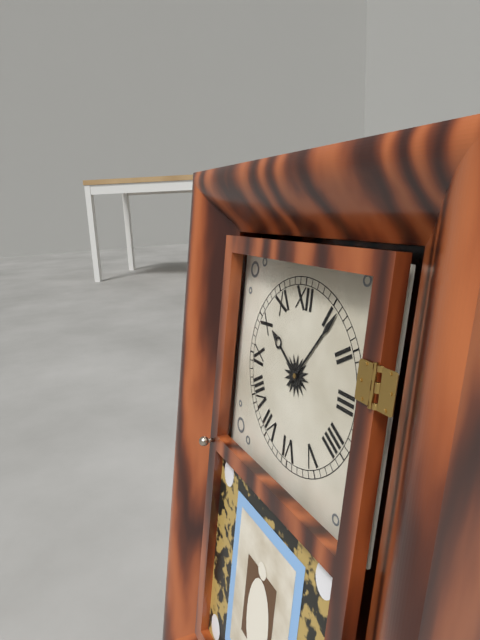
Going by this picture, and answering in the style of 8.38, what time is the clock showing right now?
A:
10.06
